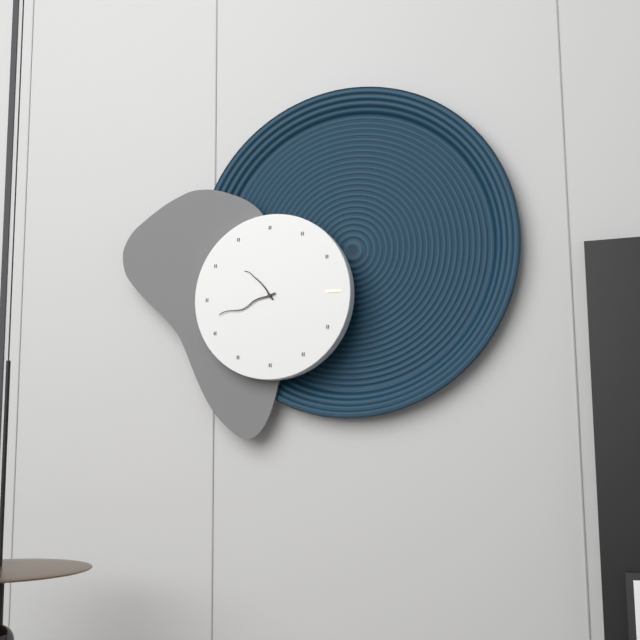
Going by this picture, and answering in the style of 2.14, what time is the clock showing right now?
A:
10.42
